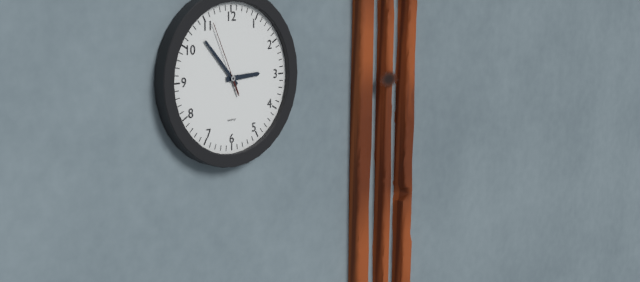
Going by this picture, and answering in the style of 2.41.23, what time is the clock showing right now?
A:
2.53.56
